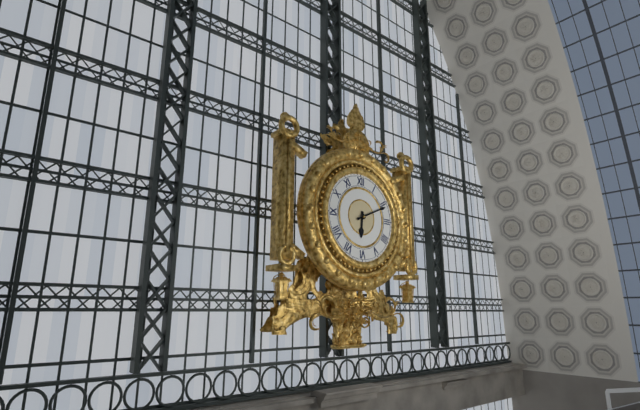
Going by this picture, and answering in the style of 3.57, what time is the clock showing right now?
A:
6.11
